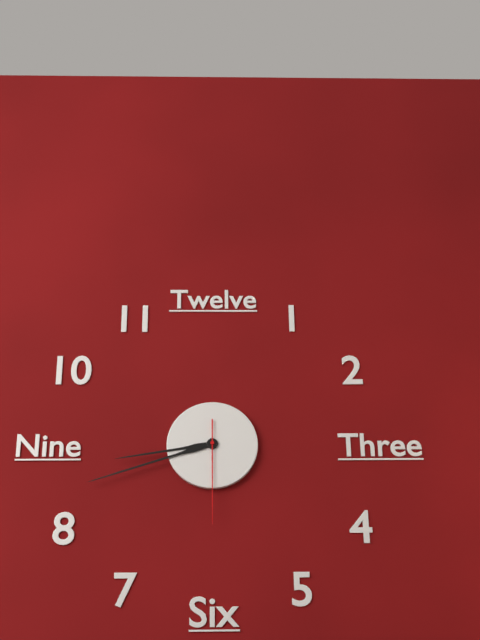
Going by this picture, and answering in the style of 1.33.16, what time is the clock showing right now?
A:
8.42.30
